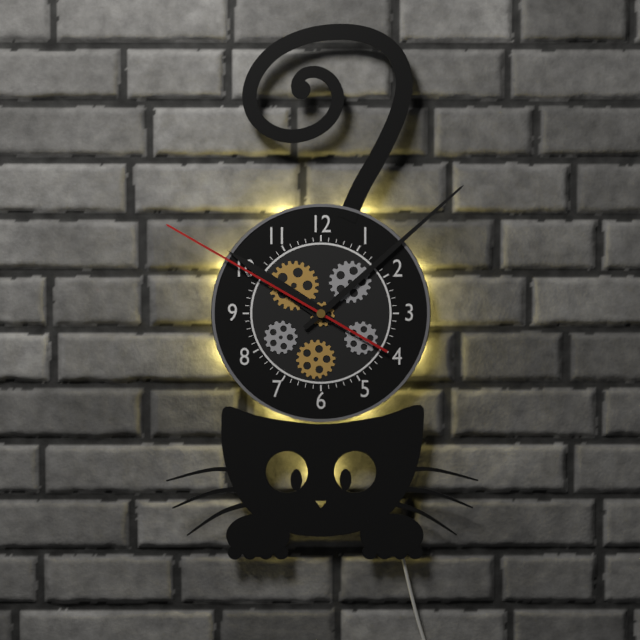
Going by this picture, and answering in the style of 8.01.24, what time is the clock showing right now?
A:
10.08.50
